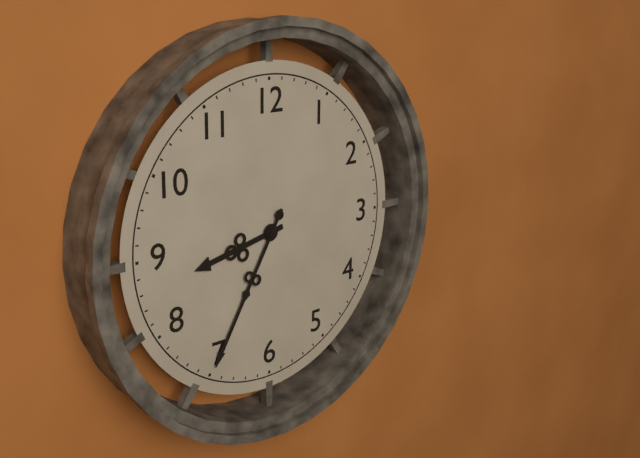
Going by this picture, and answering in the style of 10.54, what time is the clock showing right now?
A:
8.35
